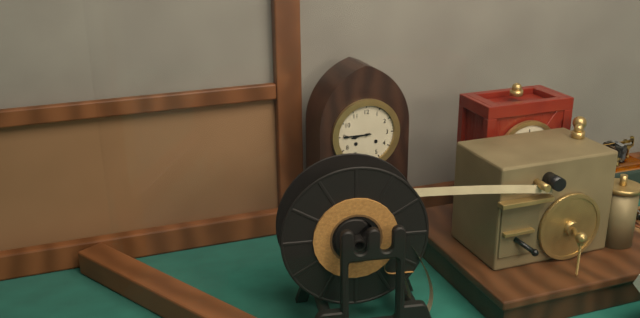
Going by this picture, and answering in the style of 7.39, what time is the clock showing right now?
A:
8.45
